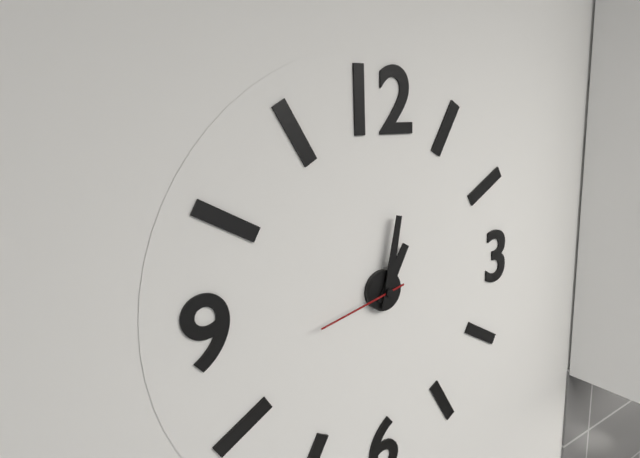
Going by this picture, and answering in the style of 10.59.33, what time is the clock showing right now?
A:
1.02.43
